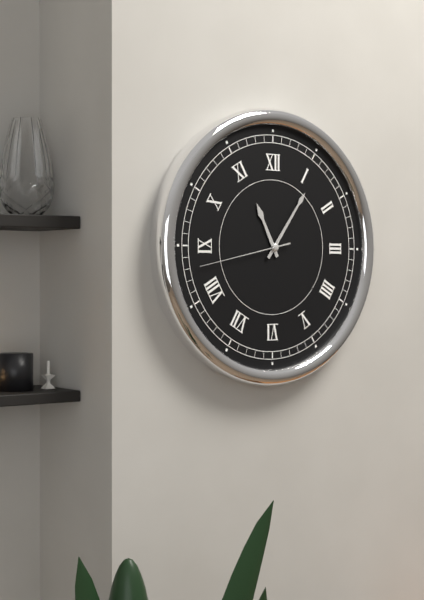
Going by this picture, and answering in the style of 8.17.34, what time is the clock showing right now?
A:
11.06.43
